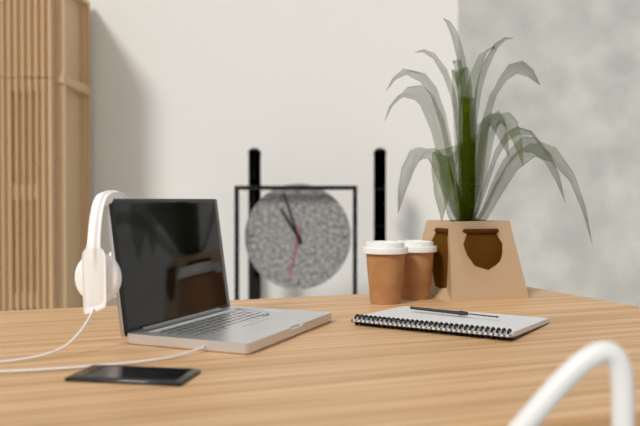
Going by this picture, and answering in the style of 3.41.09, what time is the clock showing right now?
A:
10.57.32
